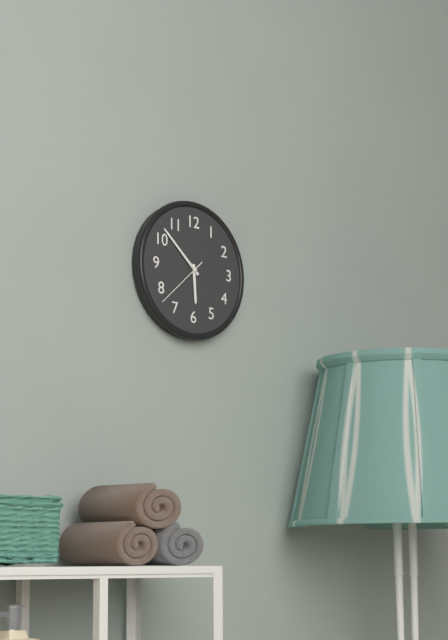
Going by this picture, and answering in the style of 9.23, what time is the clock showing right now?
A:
5.52
